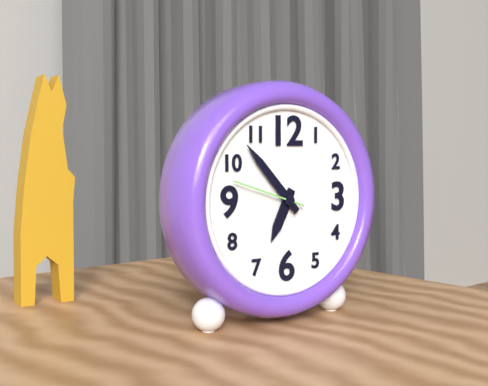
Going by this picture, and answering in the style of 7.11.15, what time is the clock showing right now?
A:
6.53.48
